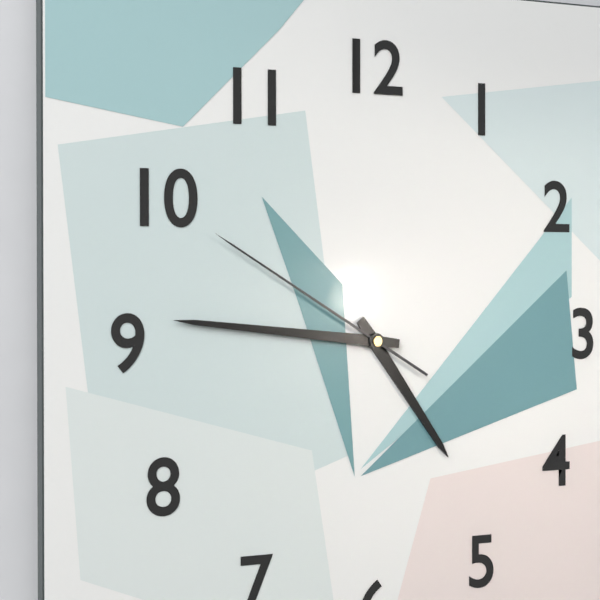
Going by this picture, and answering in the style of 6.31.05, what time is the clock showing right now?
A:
4.46.50
